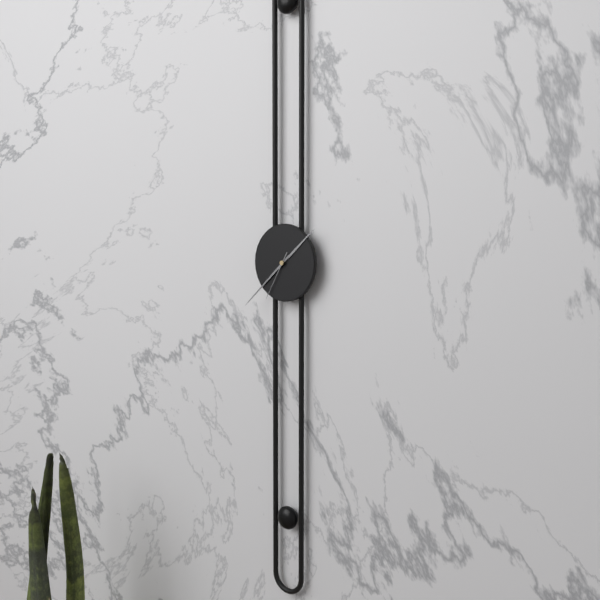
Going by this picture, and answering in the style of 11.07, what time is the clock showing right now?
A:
1.38
